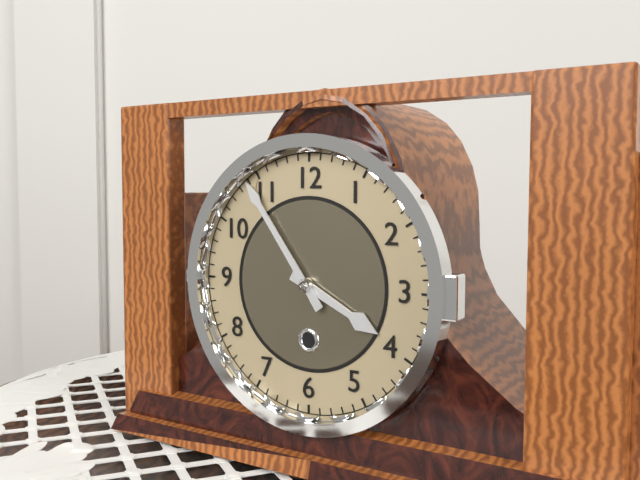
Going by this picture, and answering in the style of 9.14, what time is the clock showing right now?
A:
3.54
